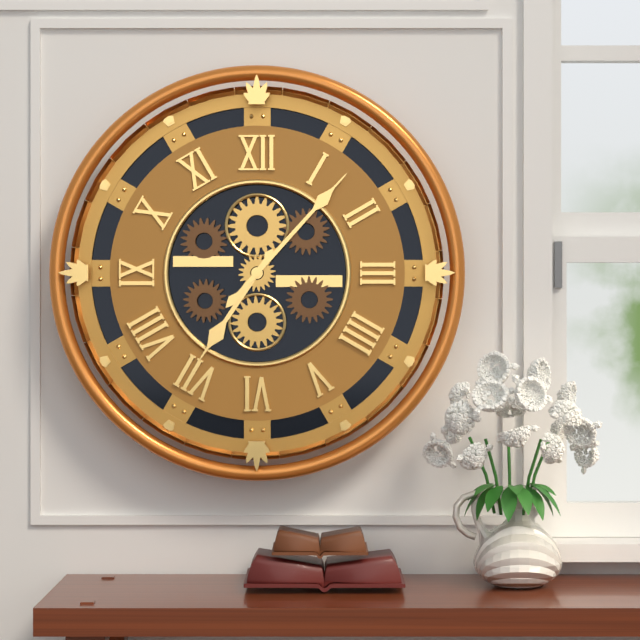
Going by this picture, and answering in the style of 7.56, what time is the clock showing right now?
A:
7.07
